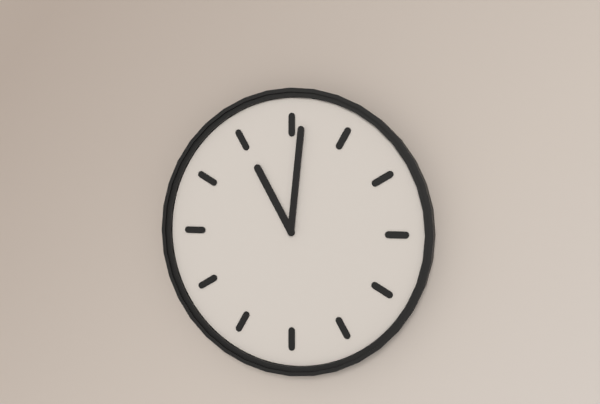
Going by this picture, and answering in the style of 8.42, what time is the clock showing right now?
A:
11.01
